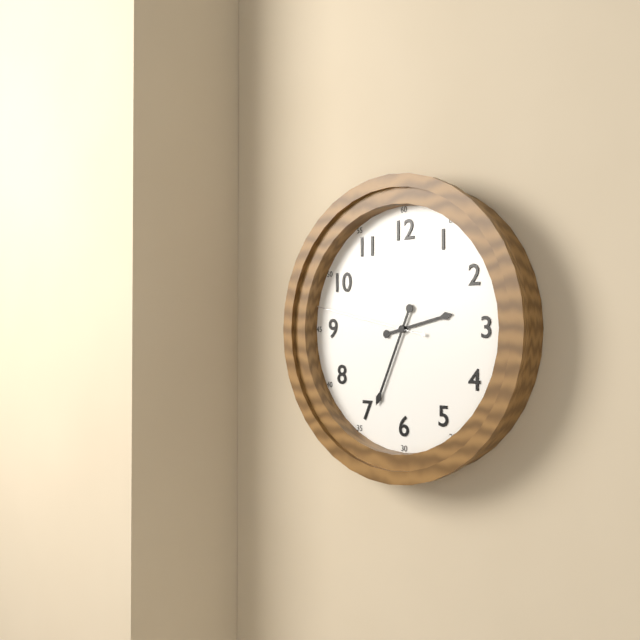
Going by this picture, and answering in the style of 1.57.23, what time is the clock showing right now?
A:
2.34.47
